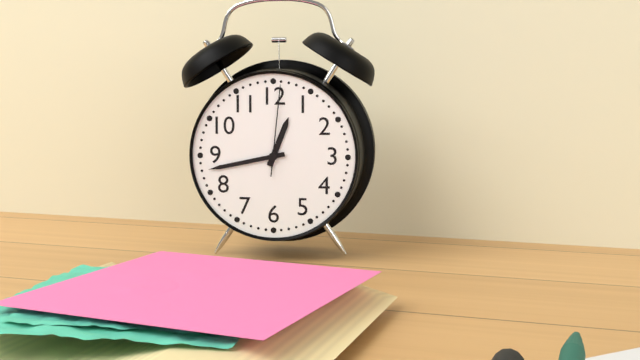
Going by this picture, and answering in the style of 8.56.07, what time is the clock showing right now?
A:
12.43.01
